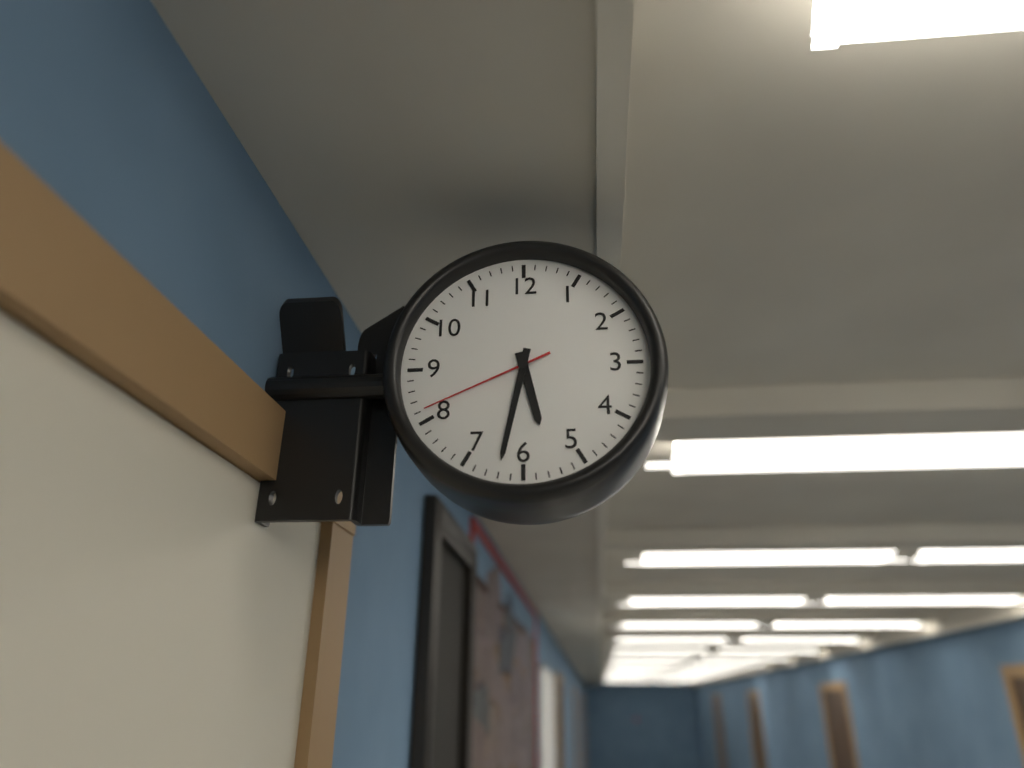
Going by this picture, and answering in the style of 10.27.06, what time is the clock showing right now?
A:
5.32.41
